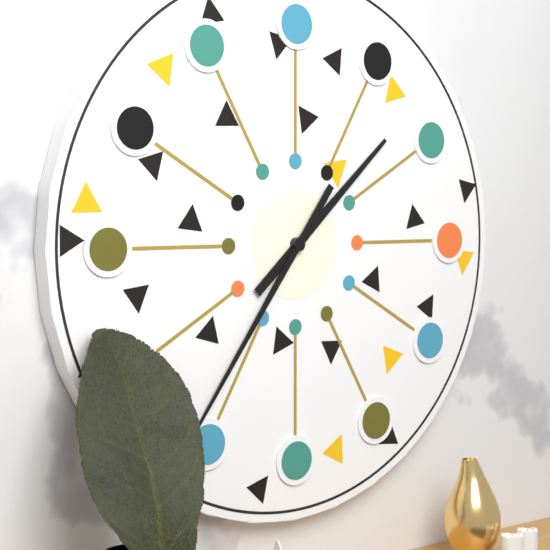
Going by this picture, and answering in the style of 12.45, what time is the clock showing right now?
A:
1.36
